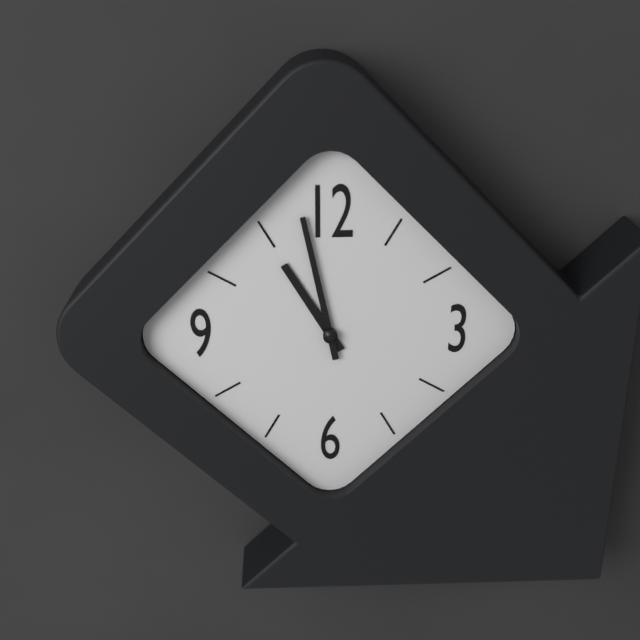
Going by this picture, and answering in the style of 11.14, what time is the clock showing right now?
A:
10.58
